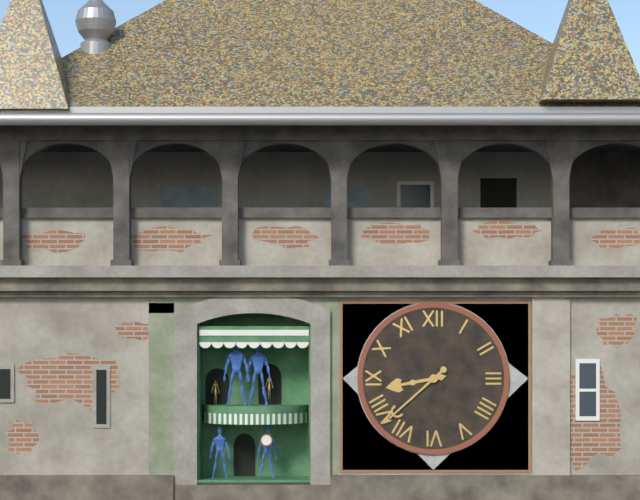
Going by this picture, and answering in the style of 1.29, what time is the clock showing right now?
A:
8.38
